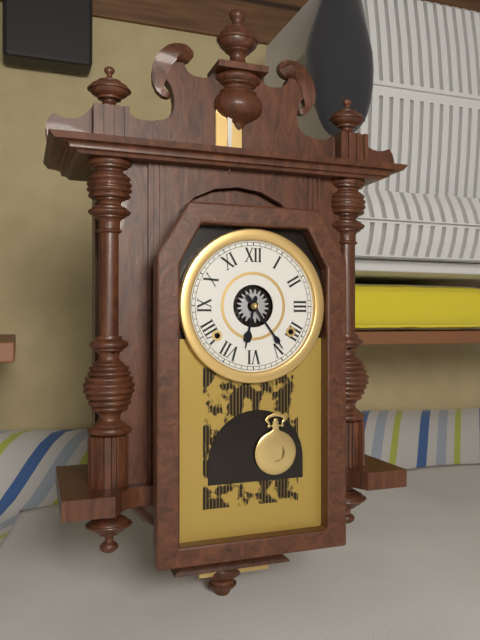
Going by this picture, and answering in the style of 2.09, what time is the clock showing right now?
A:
6.24
